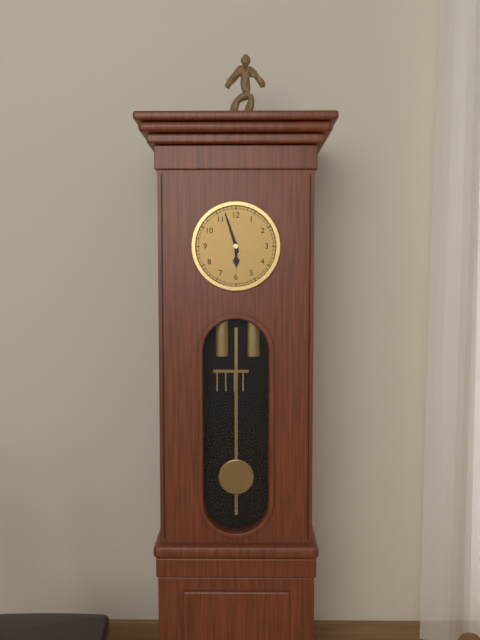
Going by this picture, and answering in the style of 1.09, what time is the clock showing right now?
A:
5.57
